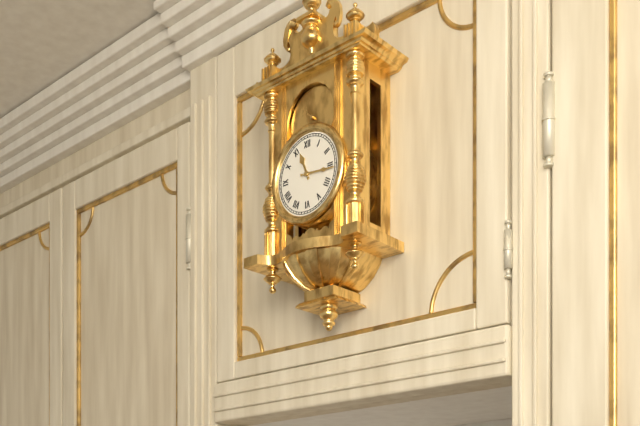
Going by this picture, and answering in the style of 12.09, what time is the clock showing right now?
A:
11.16
